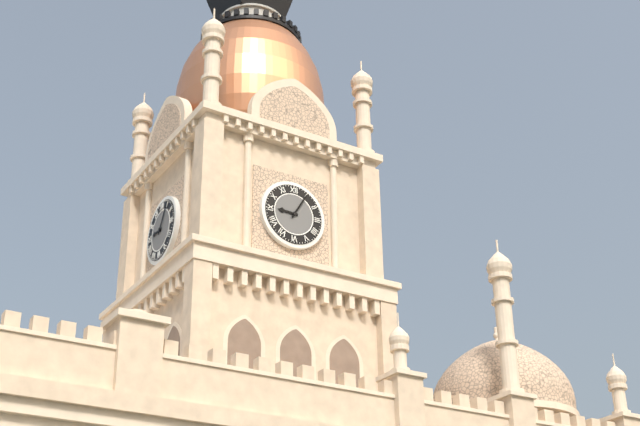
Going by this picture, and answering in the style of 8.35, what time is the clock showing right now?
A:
9.05
